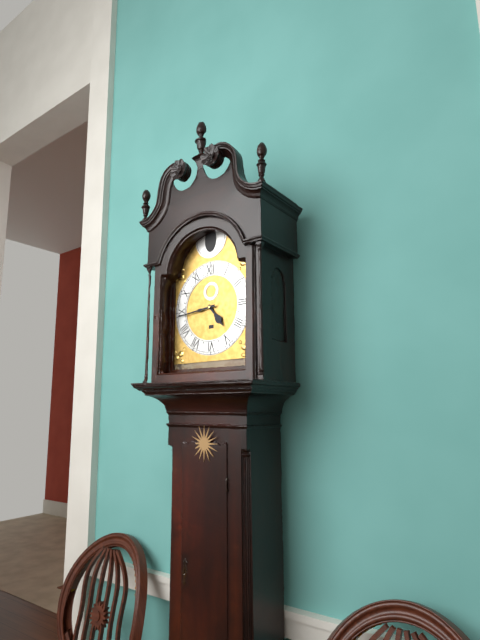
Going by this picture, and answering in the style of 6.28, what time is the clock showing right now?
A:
4.44
